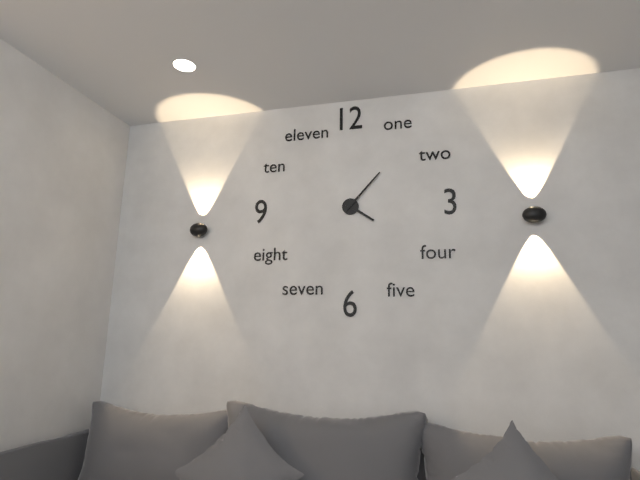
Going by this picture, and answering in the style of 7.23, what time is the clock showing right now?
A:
4.07
